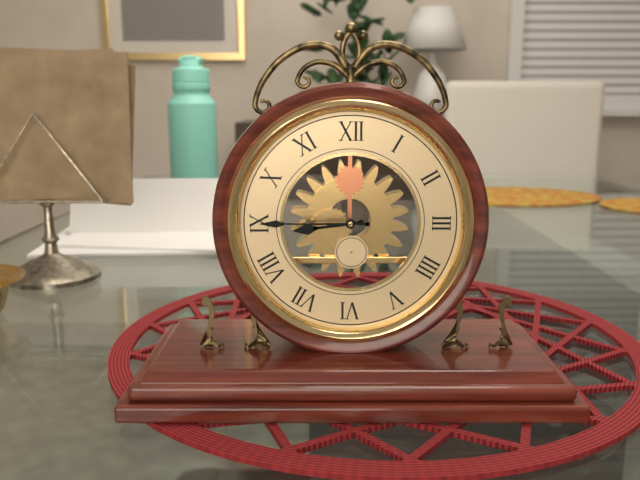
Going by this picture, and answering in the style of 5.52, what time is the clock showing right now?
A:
8.45
